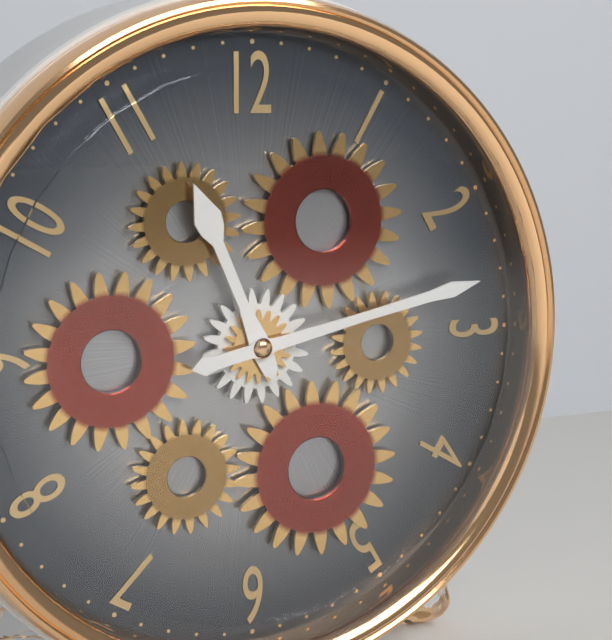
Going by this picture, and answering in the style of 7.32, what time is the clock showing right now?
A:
11.13
